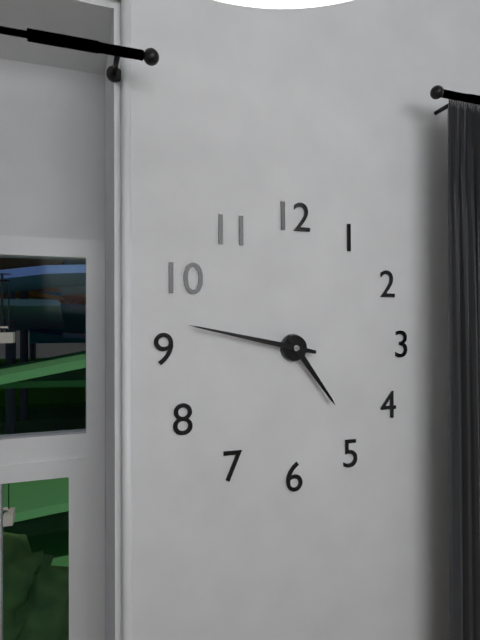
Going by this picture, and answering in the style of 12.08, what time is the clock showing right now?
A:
4.47
